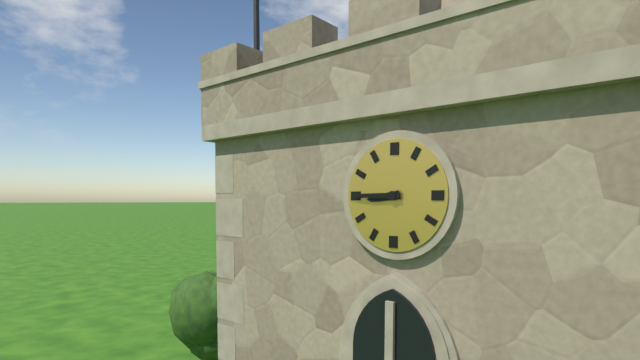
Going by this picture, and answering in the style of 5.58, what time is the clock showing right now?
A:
8.45
